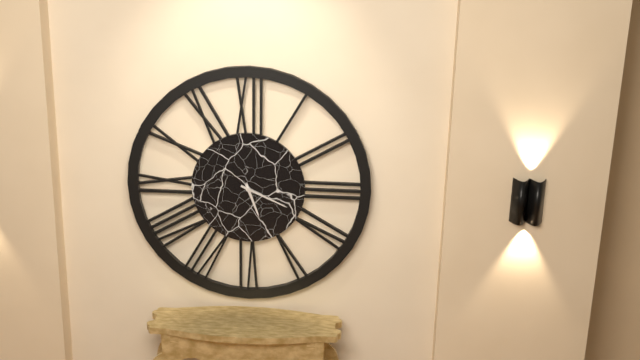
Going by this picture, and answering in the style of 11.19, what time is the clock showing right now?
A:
5.19
